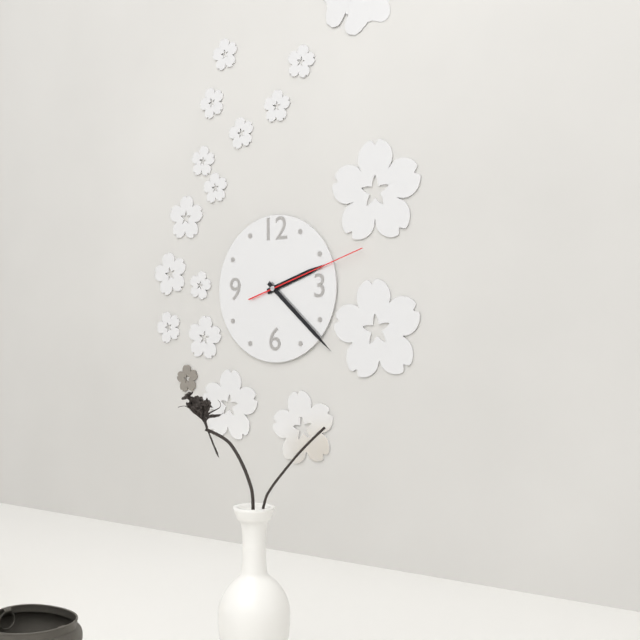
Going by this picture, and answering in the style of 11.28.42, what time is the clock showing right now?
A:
2.22.12
